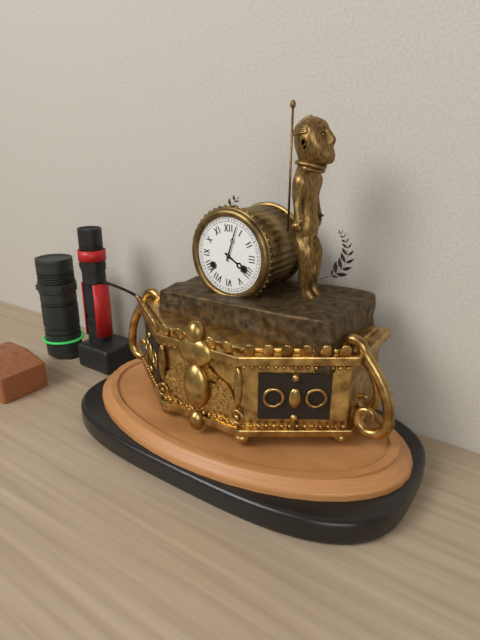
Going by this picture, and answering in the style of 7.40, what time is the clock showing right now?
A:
4.03
